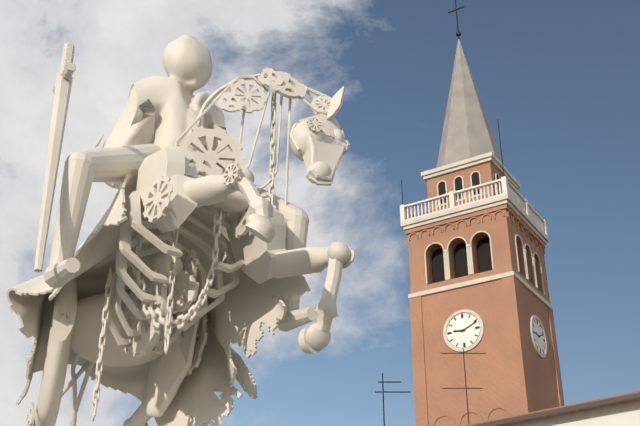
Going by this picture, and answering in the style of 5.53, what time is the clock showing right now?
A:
9.11
